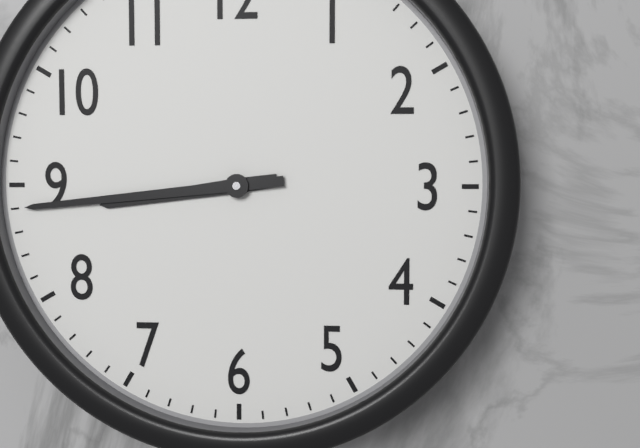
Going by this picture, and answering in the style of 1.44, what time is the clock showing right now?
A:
8.44
